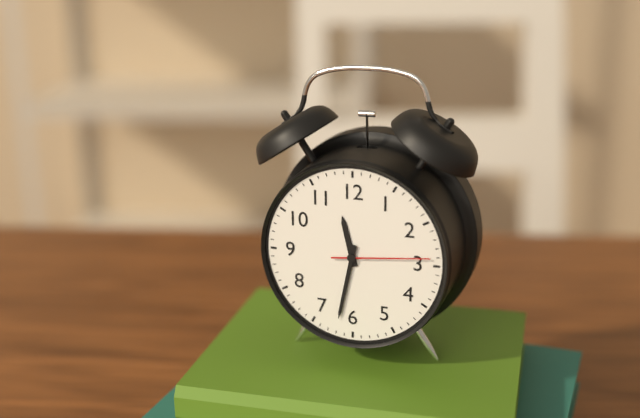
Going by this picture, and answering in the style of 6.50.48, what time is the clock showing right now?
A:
11.32.14
